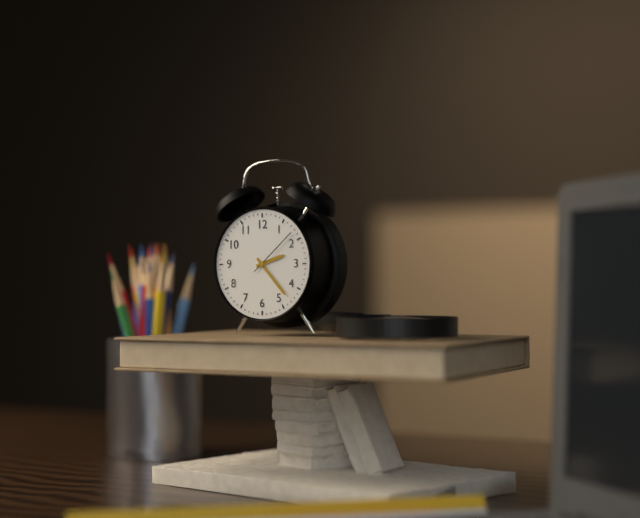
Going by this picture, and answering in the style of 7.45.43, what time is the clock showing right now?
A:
2.23.08
